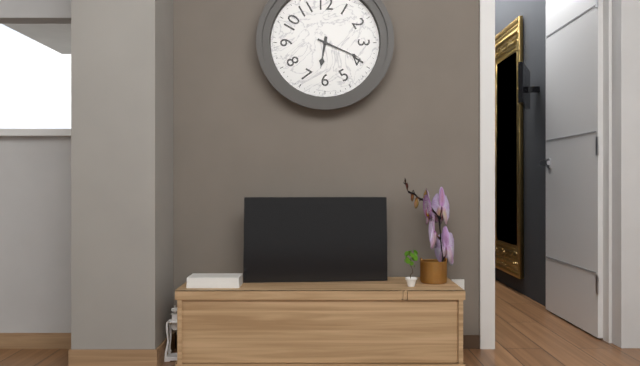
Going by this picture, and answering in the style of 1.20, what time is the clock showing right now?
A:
6.19
